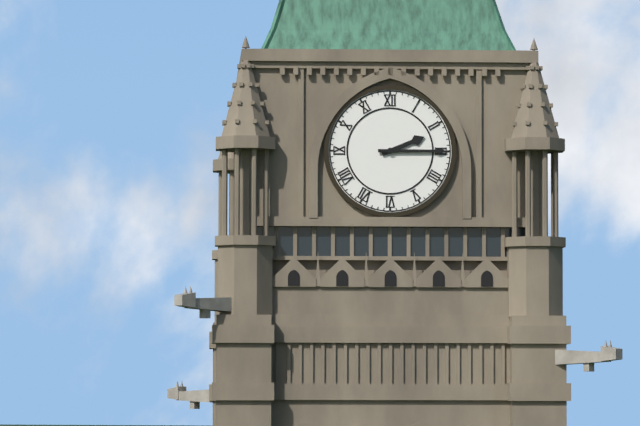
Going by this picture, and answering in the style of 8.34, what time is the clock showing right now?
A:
2.15
